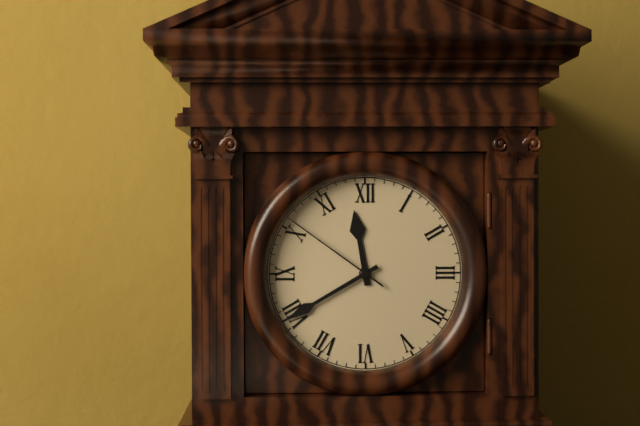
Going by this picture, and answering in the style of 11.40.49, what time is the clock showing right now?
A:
11.40.51
